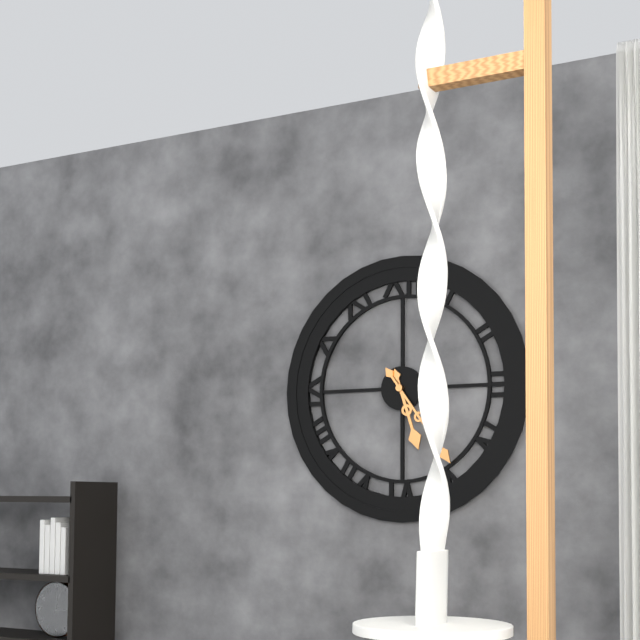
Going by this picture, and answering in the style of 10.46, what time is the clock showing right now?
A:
5.24
